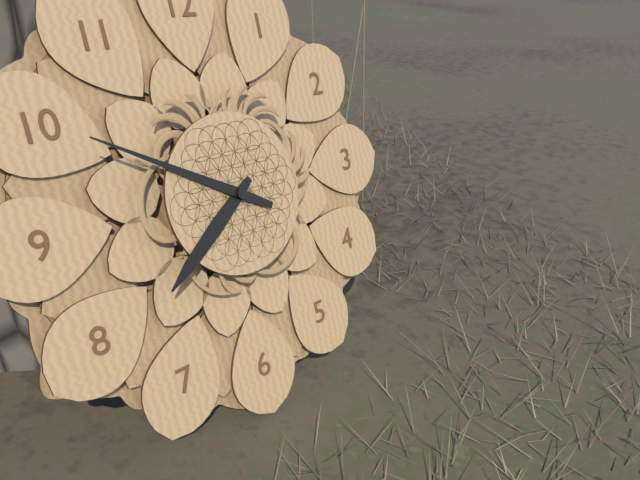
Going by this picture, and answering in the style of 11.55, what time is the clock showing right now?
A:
7.50
